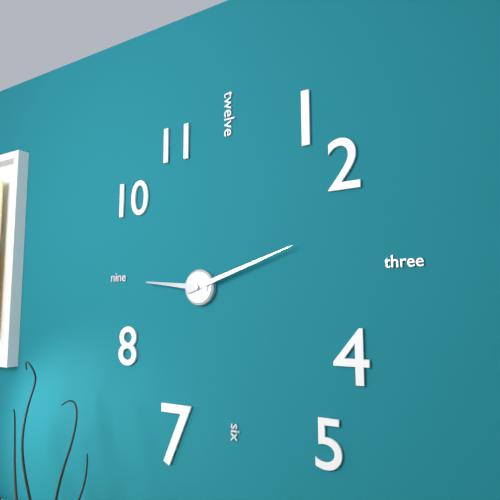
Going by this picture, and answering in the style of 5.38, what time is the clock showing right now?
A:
9.12
